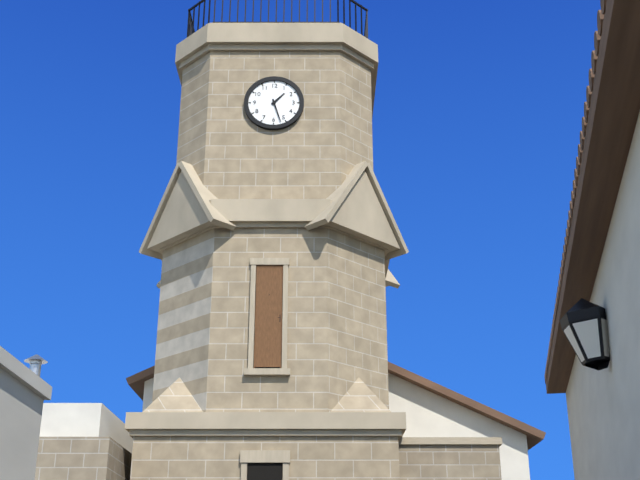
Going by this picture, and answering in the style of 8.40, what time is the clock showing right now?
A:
1.27
